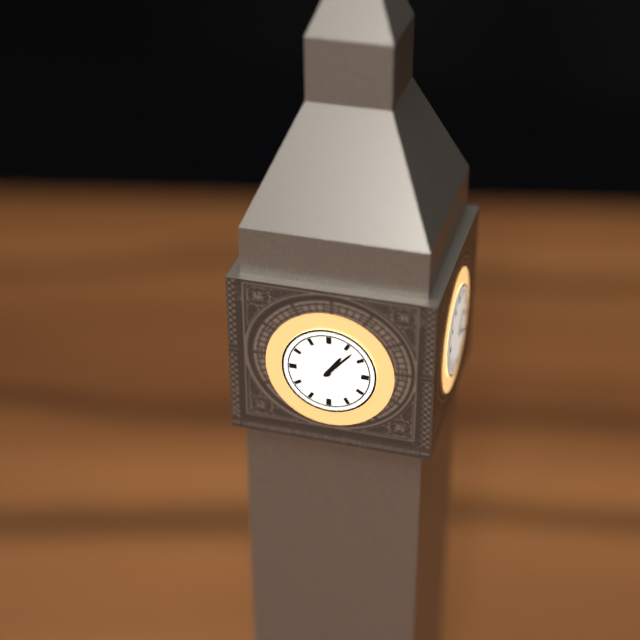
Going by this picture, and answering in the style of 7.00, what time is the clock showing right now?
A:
1.07
